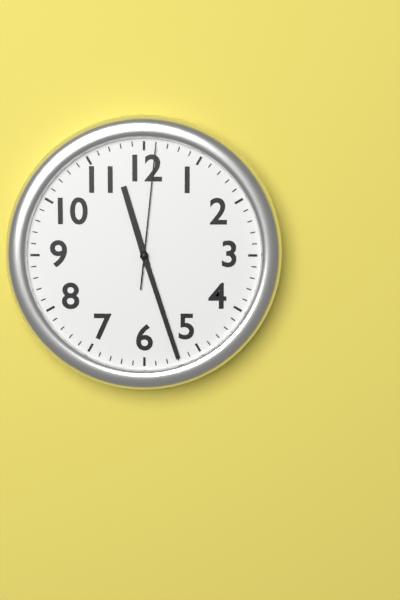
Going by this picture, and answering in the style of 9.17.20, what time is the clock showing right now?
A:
11.27.01
